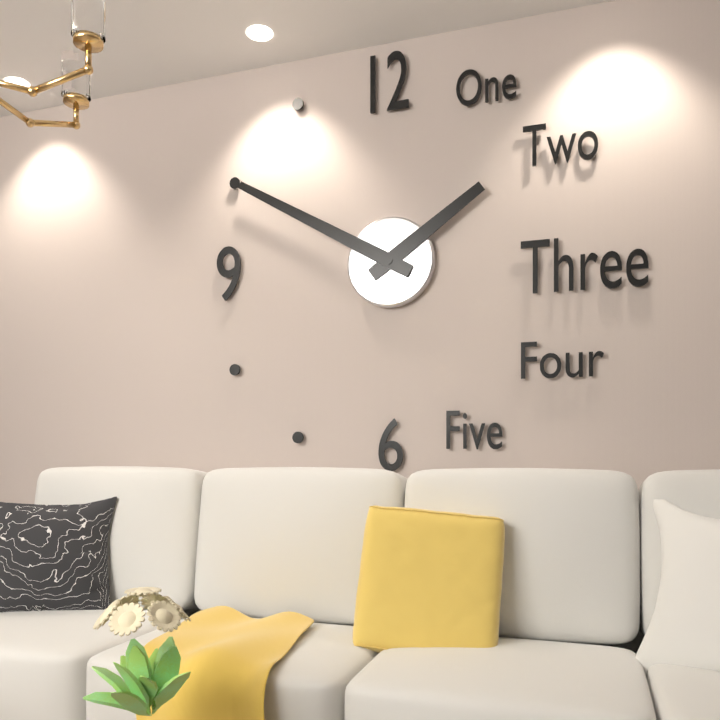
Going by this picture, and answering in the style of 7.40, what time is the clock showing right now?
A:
1.50
